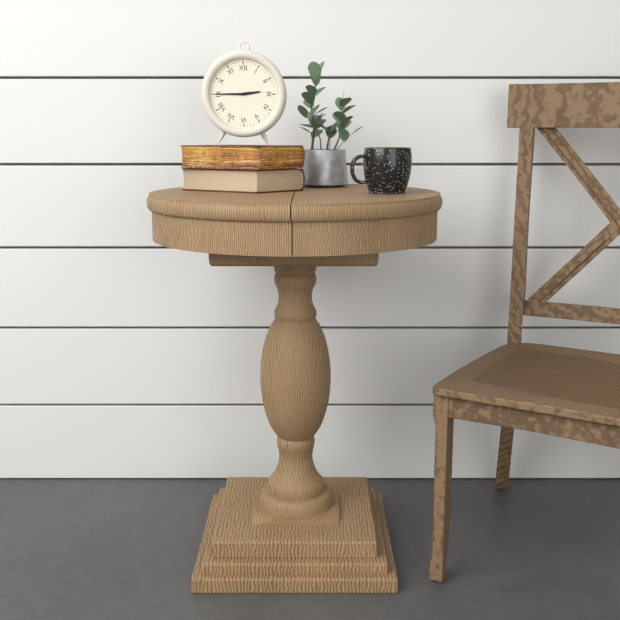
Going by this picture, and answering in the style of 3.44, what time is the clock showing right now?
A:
2.45
